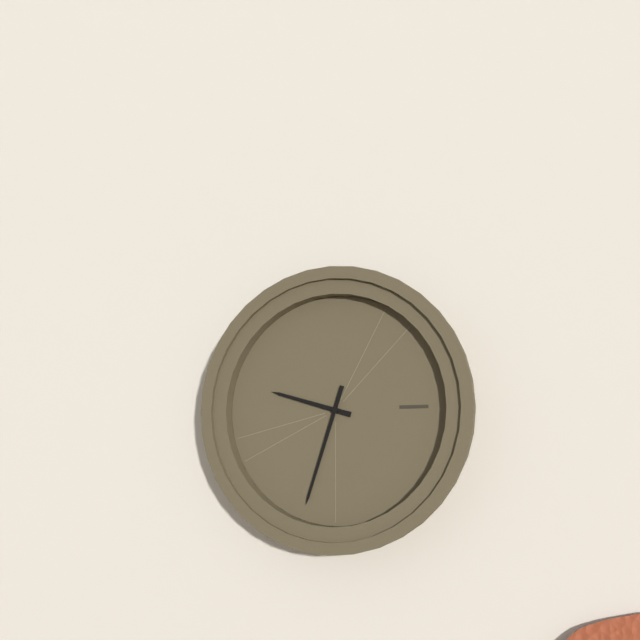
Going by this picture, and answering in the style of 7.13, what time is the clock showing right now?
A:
9.33
